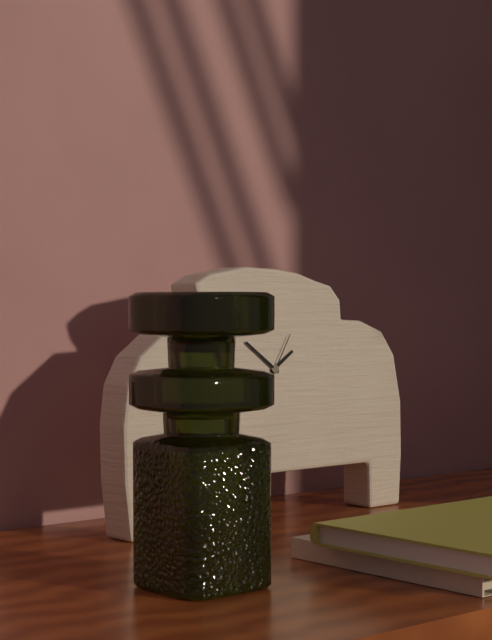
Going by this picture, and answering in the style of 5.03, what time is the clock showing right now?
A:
1.51
